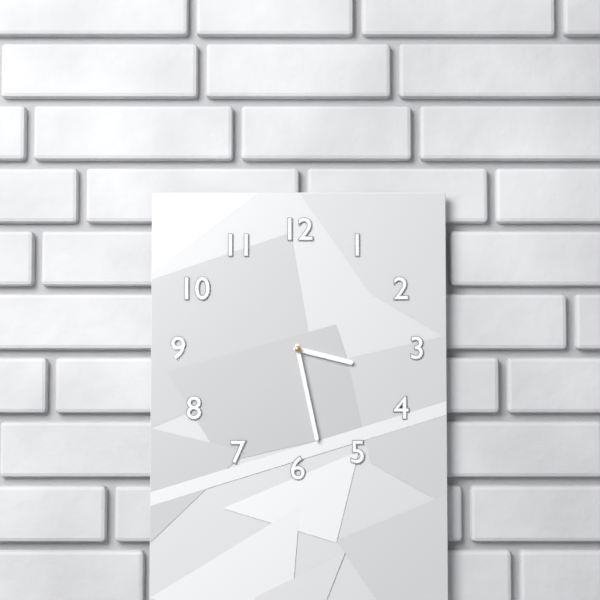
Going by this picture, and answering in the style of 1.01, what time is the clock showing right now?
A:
3.28
